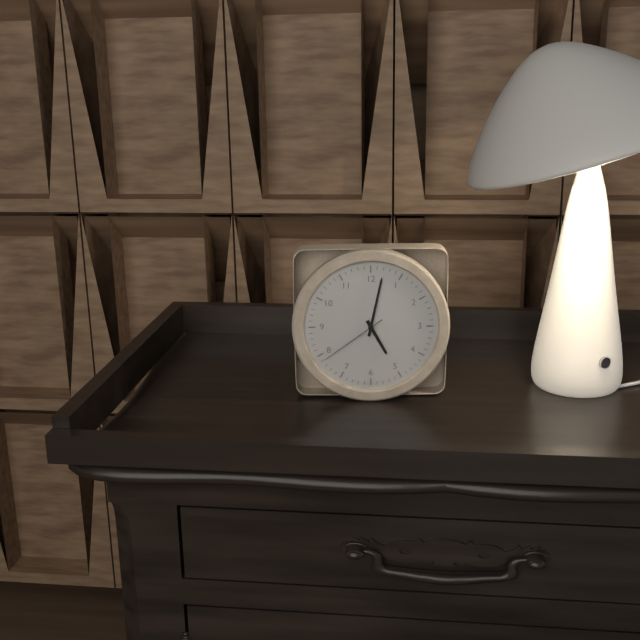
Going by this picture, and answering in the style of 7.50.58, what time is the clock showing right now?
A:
5.02.39
